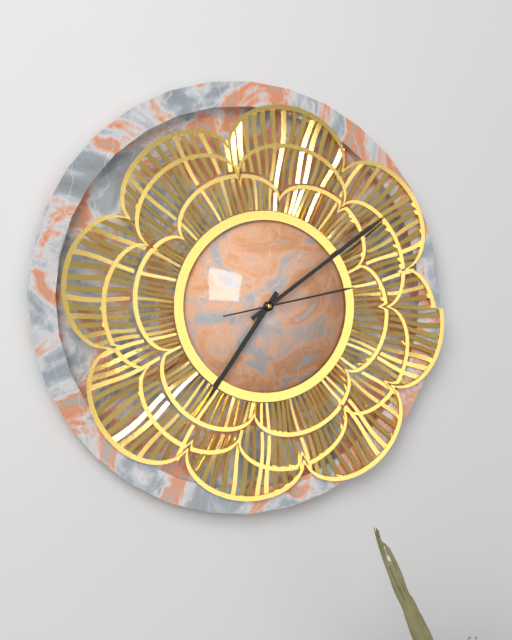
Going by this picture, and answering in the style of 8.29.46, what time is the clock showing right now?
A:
7.09.13
